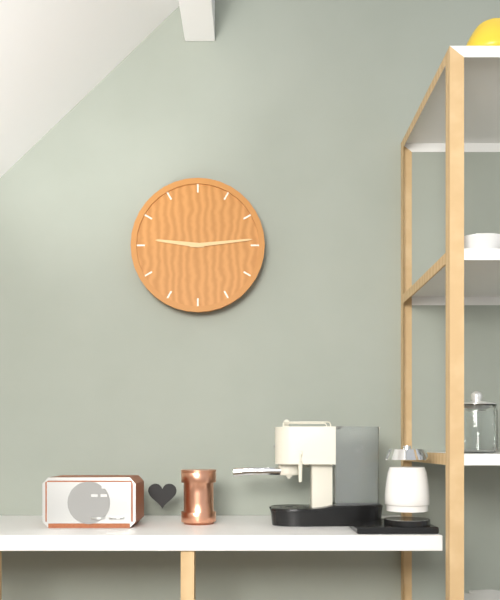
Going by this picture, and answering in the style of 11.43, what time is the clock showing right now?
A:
9.14
